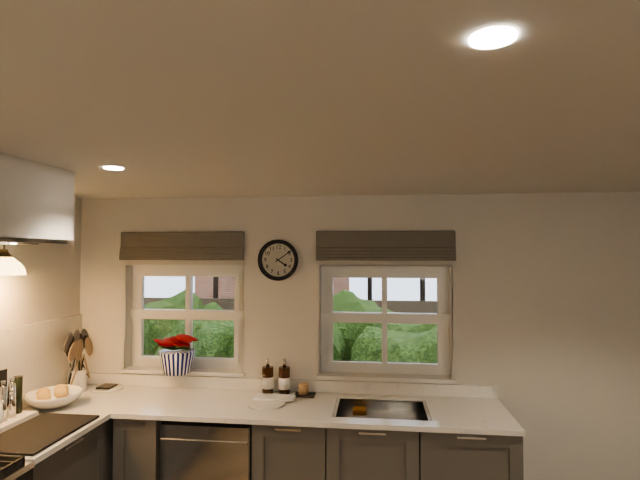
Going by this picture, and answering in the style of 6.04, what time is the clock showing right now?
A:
4.09
